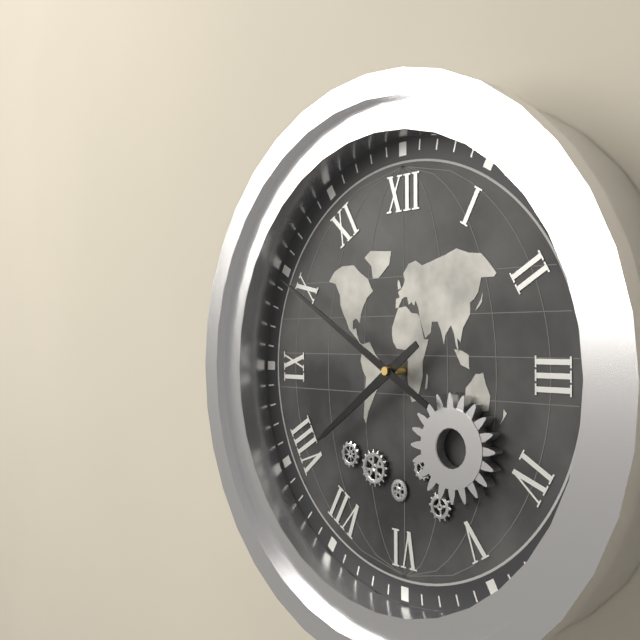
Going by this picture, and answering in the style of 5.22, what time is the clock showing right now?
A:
7.50
